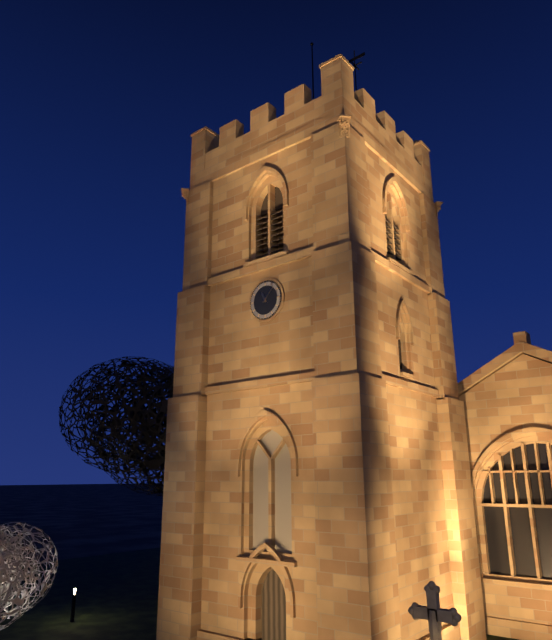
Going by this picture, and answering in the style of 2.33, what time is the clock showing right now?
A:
11.07
